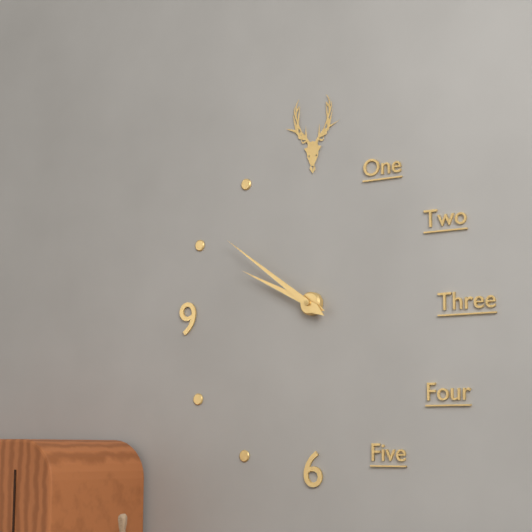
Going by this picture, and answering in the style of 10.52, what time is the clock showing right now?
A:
9.51
